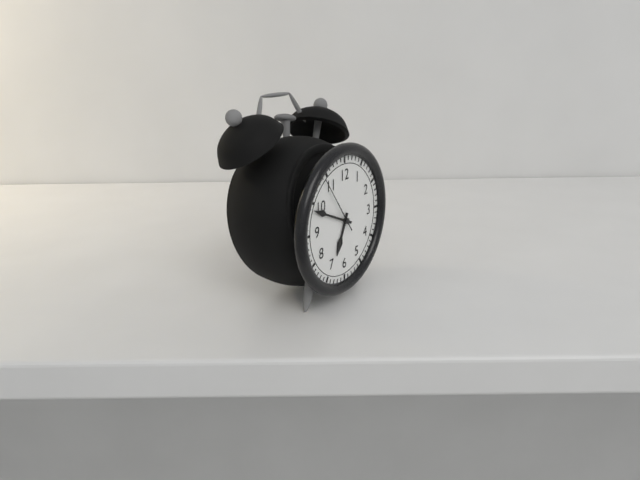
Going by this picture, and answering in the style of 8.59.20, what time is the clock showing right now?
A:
6.49.54
